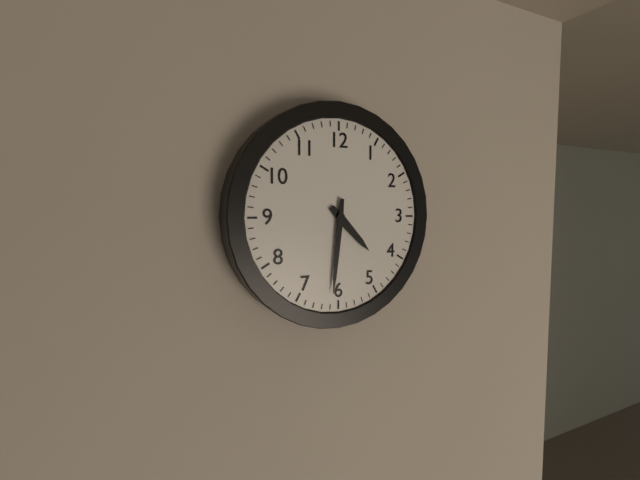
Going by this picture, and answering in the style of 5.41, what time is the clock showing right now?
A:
4.31
